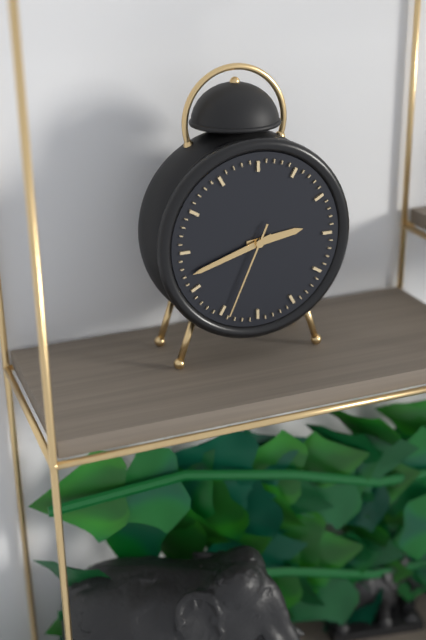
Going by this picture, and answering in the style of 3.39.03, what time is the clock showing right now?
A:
2.42.34
